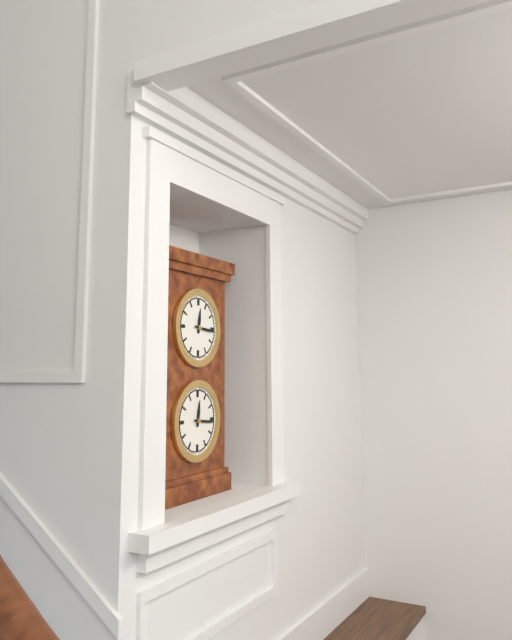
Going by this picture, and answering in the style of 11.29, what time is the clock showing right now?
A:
12.16
